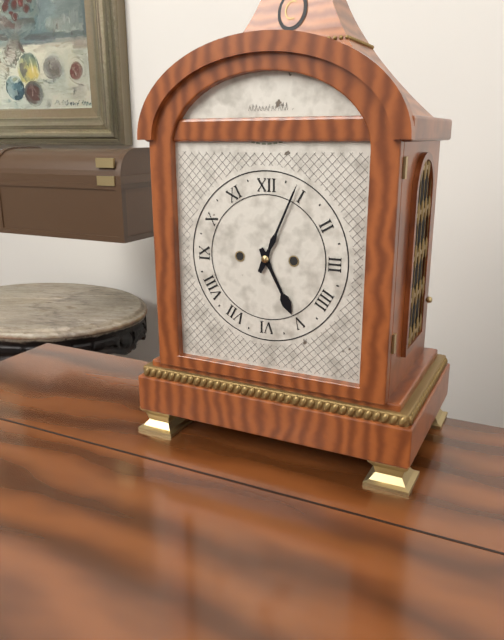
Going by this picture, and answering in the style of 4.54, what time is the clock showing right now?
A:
5.04
